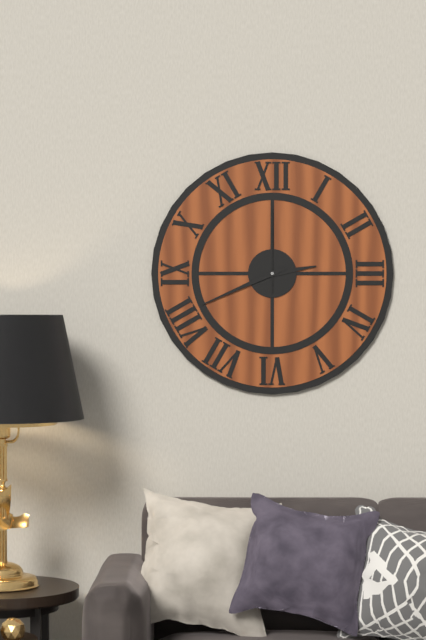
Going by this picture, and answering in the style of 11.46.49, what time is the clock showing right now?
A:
2.41.00
